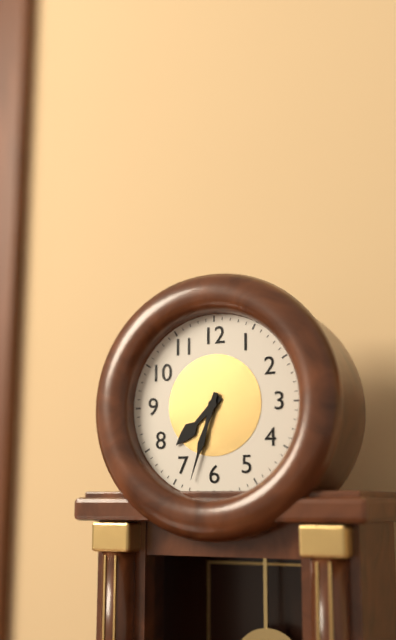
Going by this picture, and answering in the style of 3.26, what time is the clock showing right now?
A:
7.33
